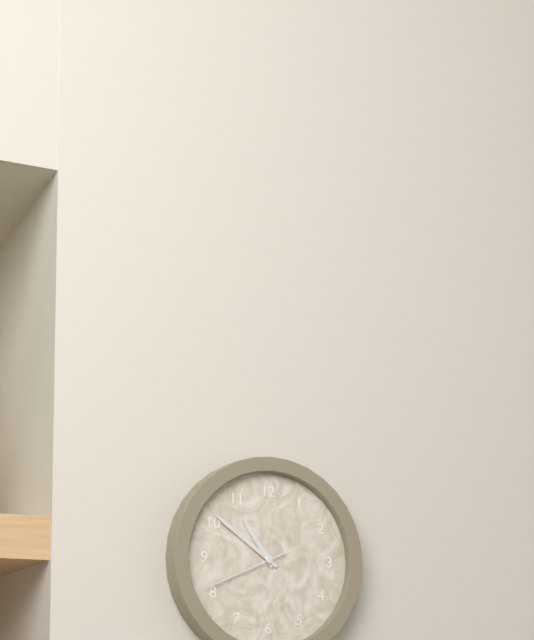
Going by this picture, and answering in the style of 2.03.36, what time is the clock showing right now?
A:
10.51.41
